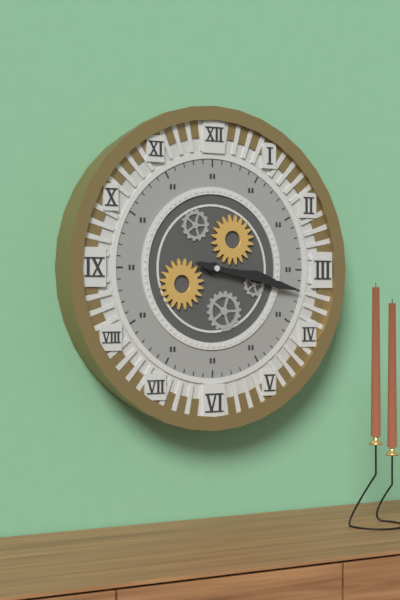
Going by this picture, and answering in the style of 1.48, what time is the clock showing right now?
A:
3.17
